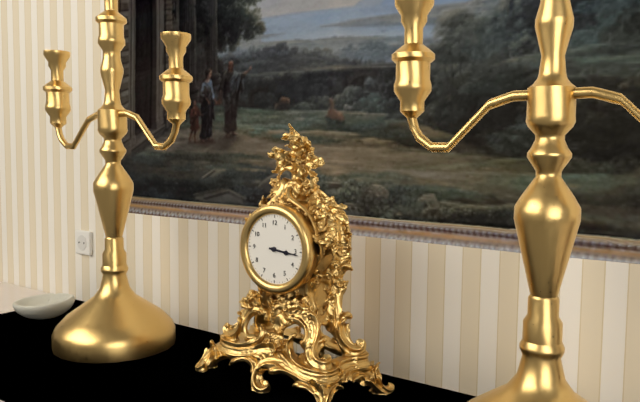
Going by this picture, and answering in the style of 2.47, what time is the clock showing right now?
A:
3.16
